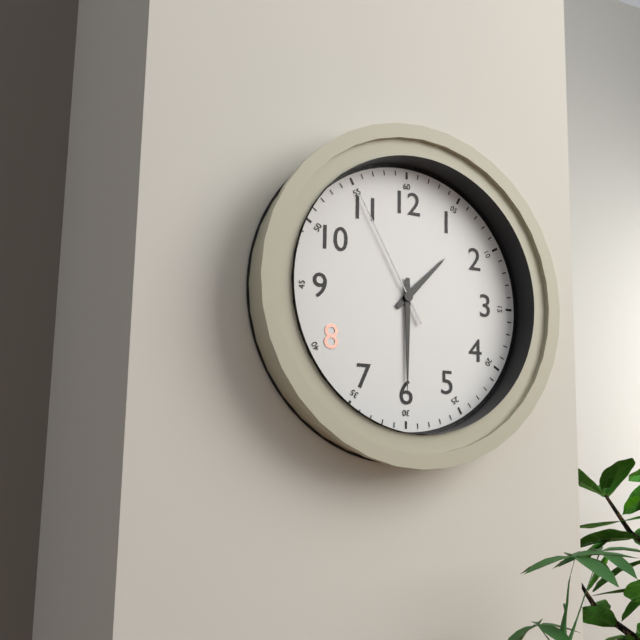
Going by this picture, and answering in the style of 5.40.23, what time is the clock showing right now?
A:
1.30.55
